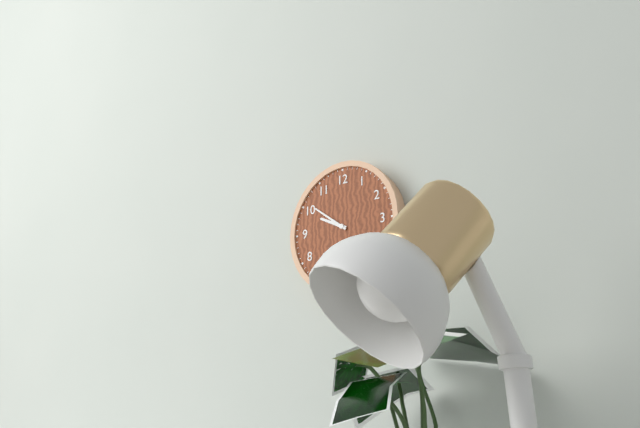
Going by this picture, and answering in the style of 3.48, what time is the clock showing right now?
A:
9.51
